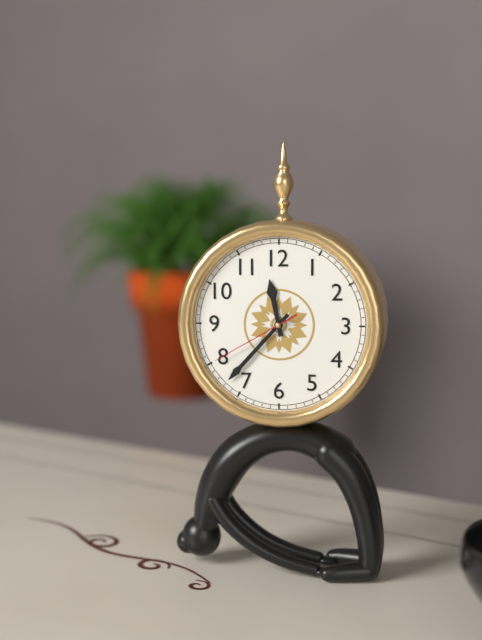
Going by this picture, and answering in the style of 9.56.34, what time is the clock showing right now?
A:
11.37.40
